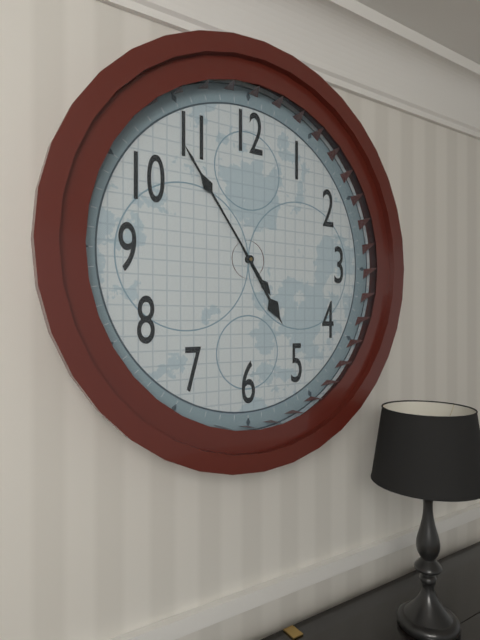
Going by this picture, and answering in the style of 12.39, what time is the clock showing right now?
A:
4.54
